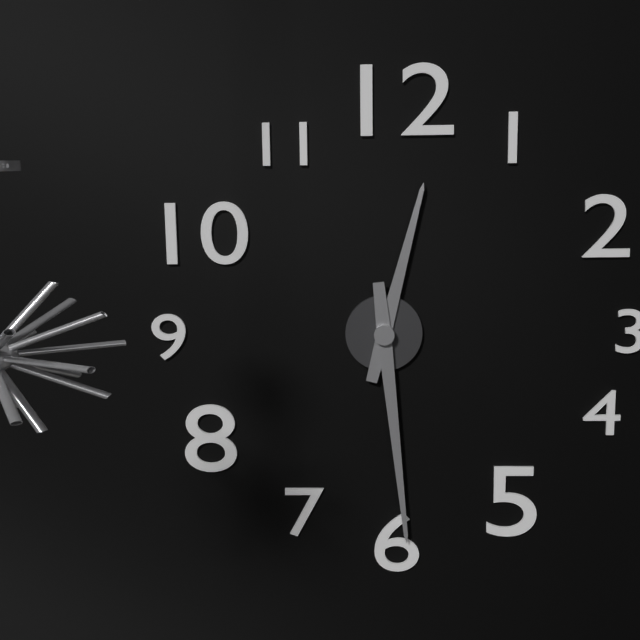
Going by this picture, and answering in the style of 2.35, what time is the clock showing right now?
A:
12.29
